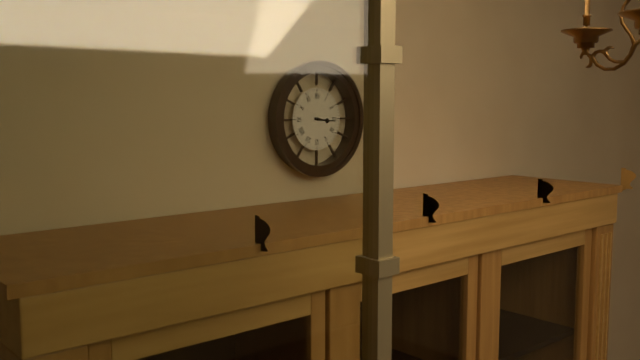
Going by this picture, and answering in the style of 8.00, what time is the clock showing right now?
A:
3.16
